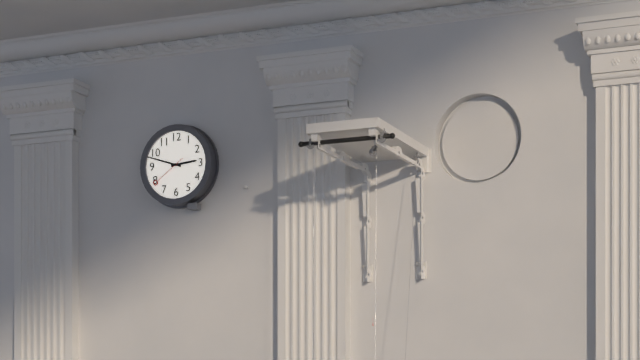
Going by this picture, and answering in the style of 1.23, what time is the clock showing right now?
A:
2.48
